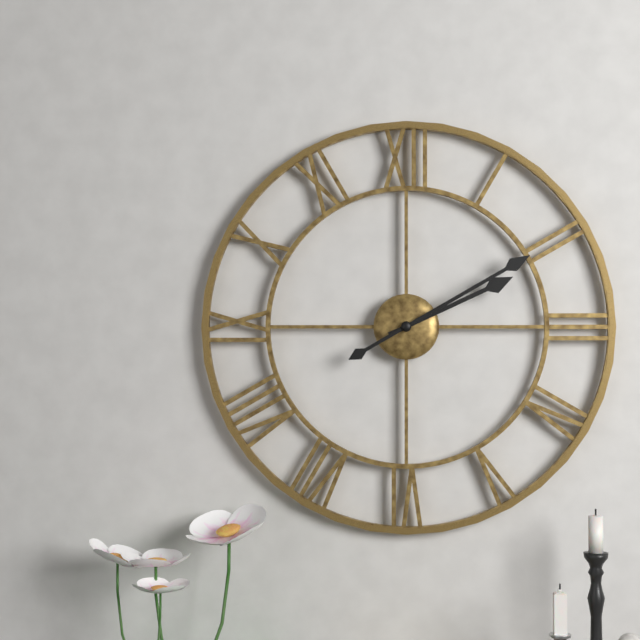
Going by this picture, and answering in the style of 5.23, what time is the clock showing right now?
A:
2.10
